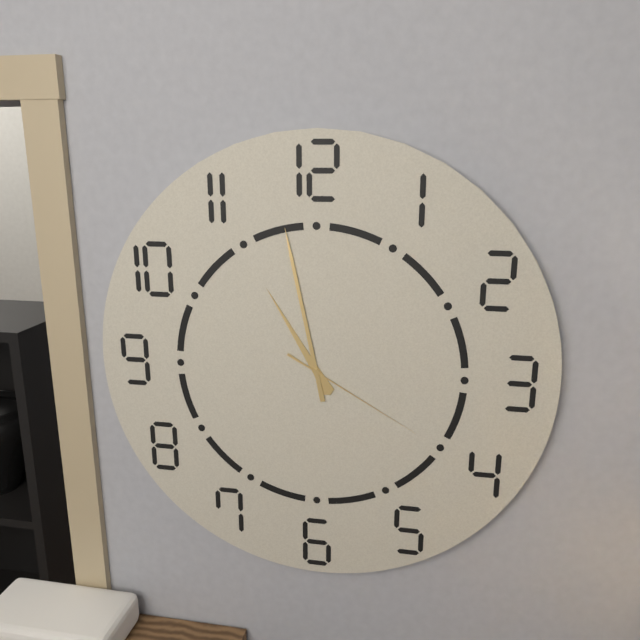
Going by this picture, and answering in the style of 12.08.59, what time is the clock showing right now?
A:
10.58.20
